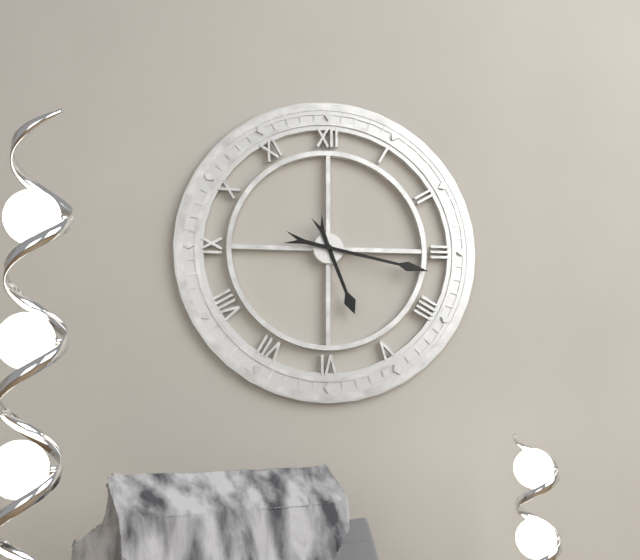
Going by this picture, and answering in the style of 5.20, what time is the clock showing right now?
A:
5.17
